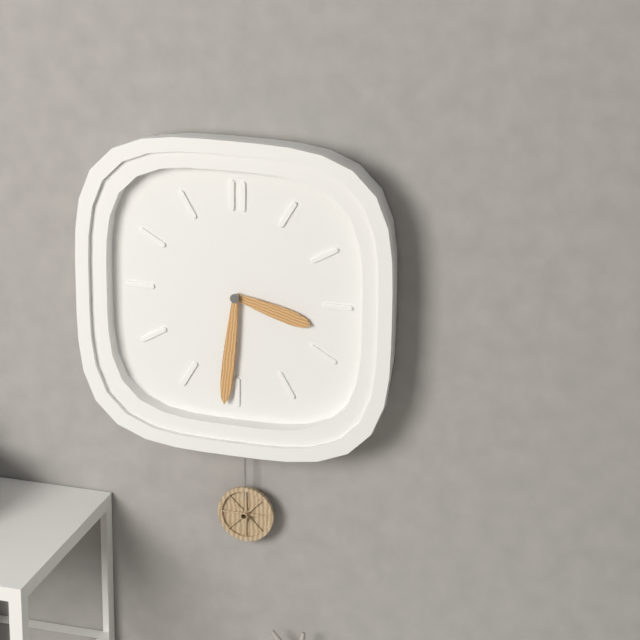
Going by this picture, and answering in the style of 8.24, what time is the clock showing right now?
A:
3.31
